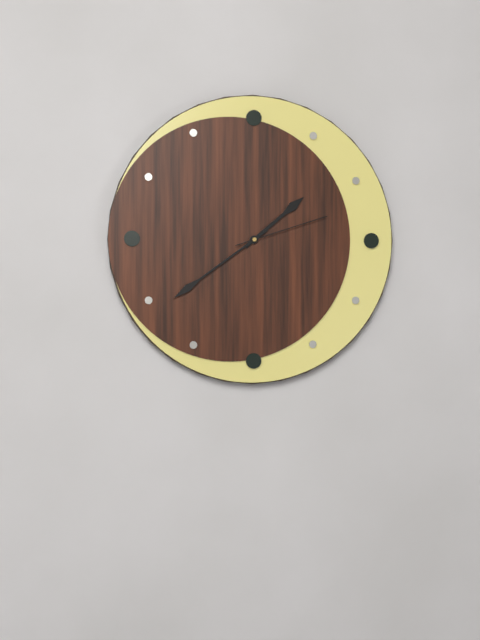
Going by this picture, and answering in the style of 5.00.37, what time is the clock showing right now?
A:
1.39.12
